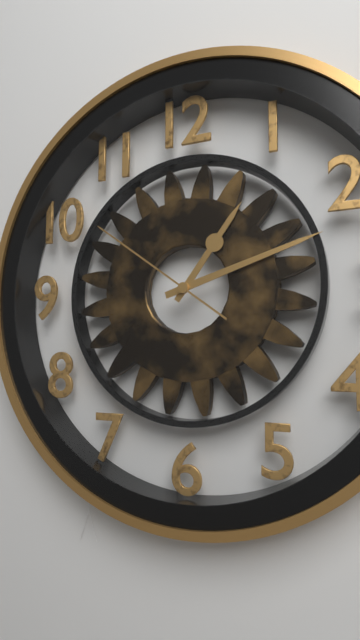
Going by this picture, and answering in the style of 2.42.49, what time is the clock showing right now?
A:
1.12.51
